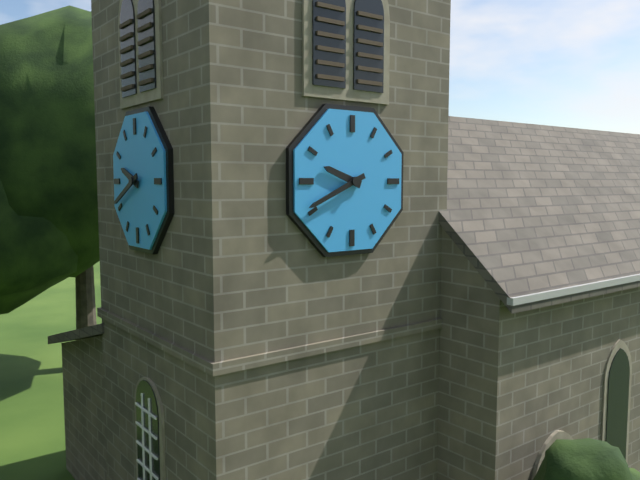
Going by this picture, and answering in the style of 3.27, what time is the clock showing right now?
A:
9.41
